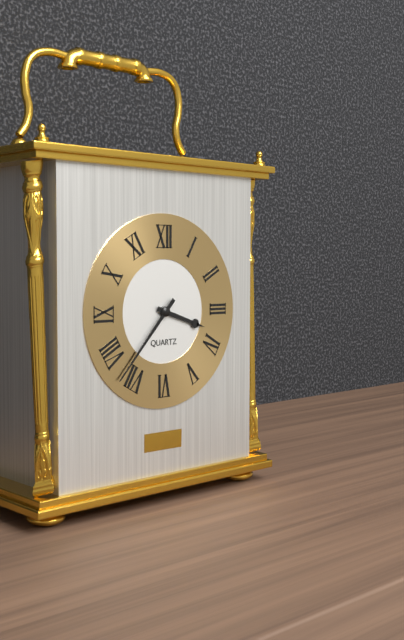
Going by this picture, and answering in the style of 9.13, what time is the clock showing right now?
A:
3.37
